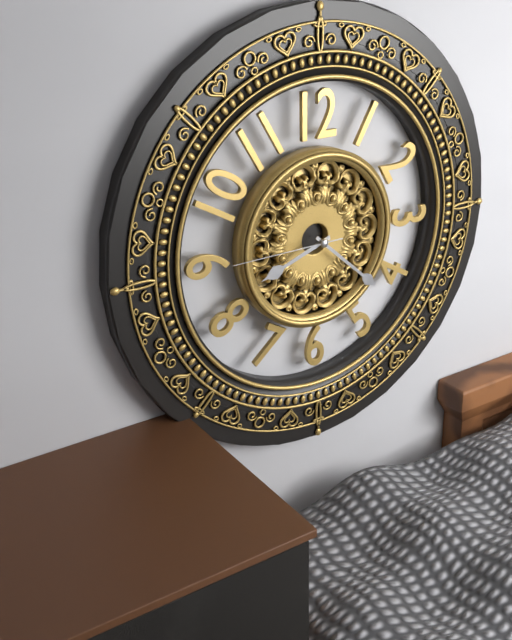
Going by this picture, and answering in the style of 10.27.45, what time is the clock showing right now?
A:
8.22.45
